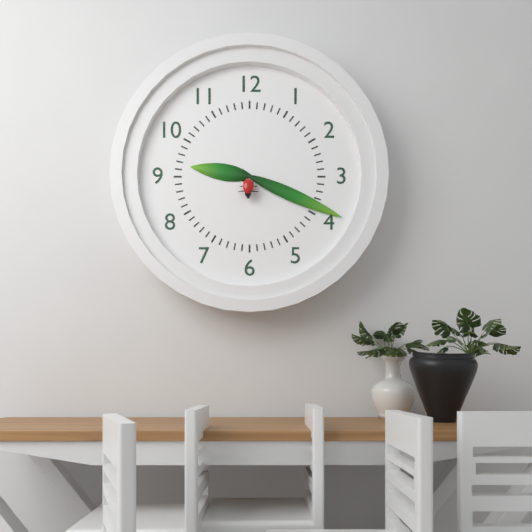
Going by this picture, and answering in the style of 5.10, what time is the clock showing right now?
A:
9.19
